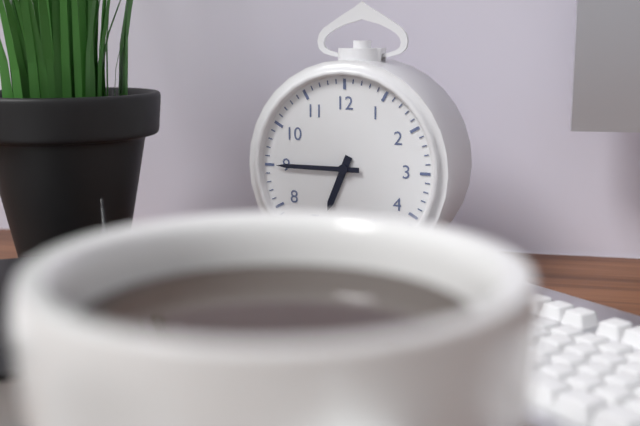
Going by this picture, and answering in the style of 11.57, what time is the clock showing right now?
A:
6.45
